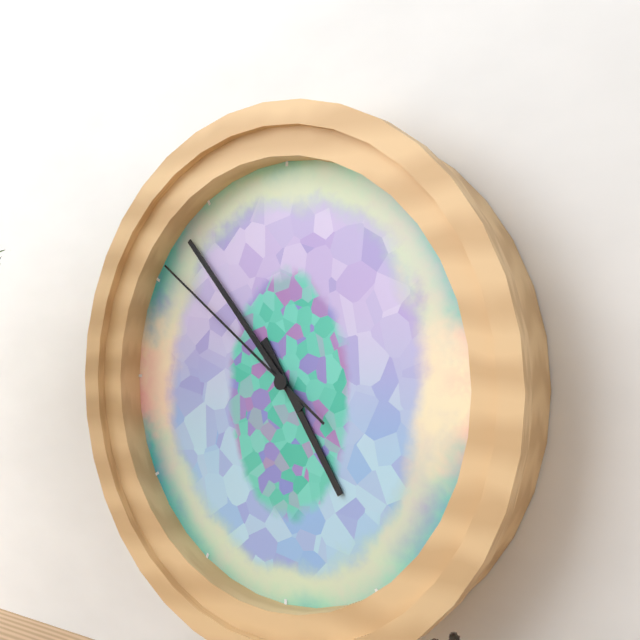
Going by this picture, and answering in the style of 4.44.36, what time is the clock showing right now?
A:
4.53.51
